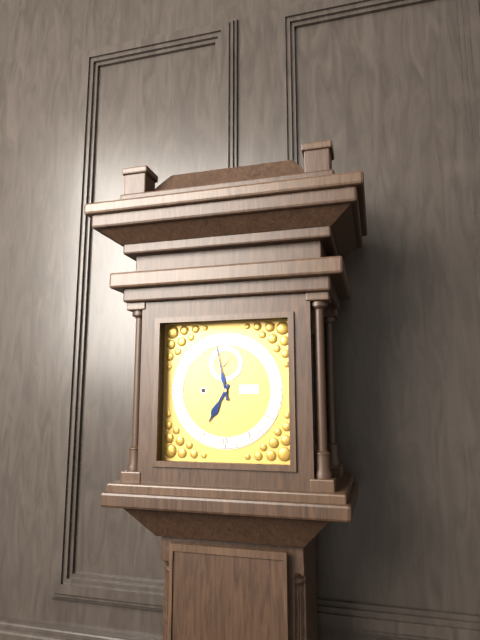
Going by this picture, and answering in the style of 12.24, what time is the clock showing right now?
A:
6.58
